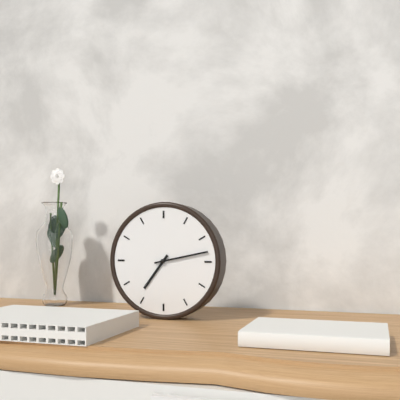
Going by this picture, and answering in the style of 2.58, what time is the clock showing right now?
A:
7.13
